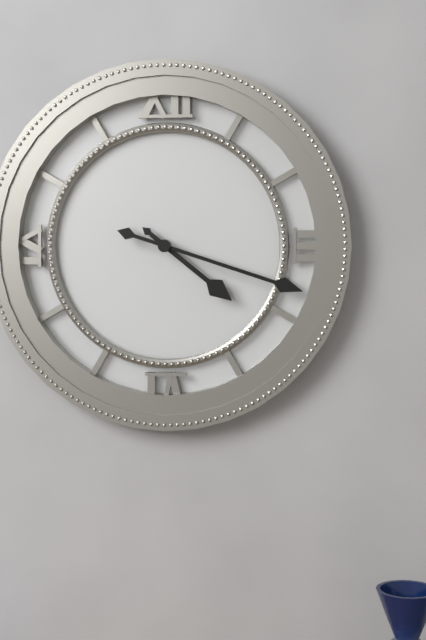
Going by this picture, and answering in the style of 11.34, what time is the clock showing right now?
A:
4.18
